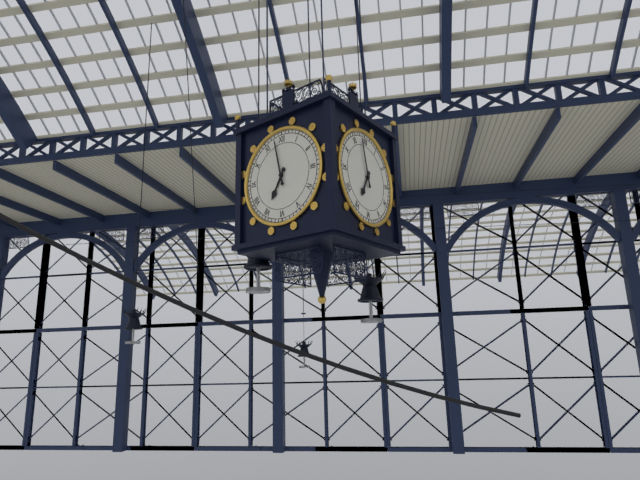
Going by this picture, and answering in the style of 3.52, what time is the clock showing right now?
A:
6.58
